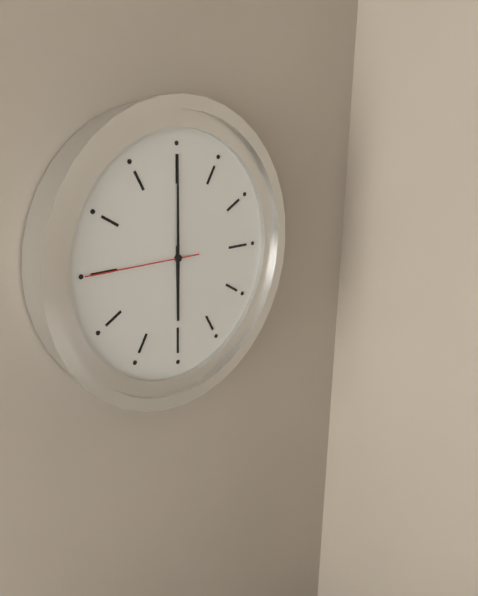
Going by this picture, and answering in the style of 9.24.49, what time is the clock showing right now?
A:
6.00.45
